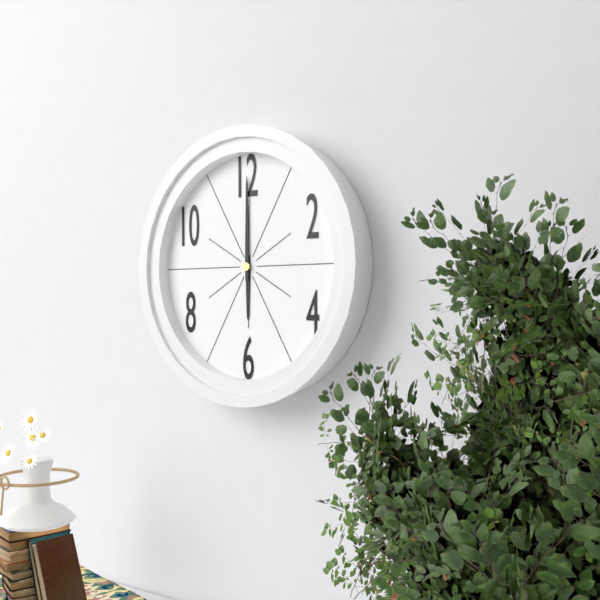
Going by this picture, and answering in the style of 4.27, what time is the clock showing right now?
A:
6.00
